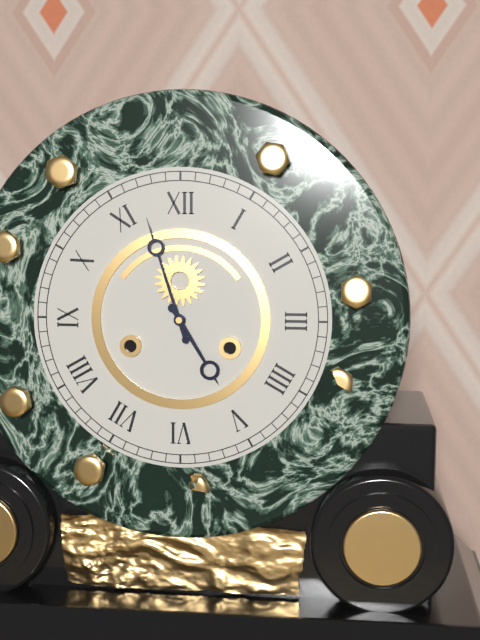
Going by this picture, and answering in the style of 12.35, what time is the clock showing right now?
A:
4.57
